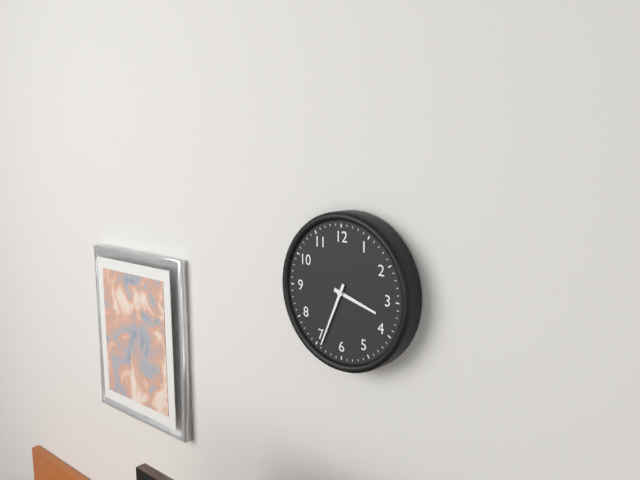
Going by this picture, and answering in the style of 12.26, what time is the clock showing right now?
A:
3.34
